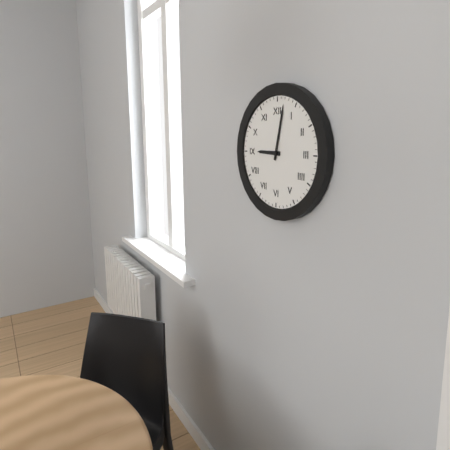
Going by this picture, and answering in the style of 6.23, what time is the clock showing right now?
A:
9.02
